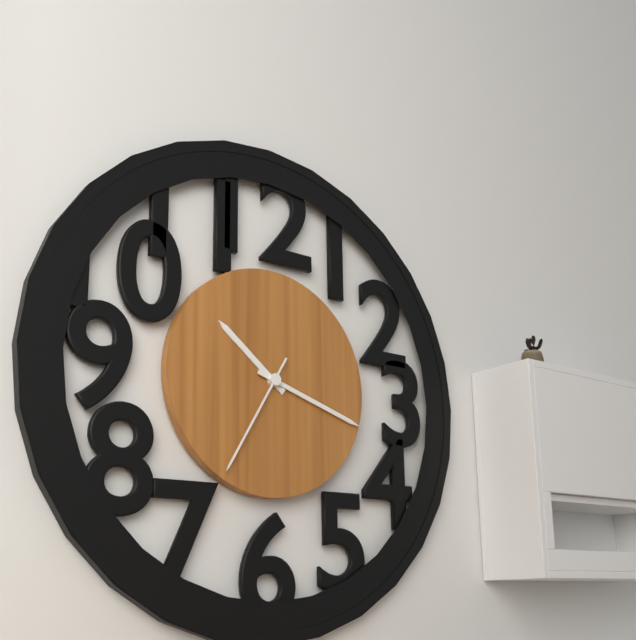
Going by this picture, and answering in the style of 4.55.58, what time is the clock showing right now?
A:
10.18.35
